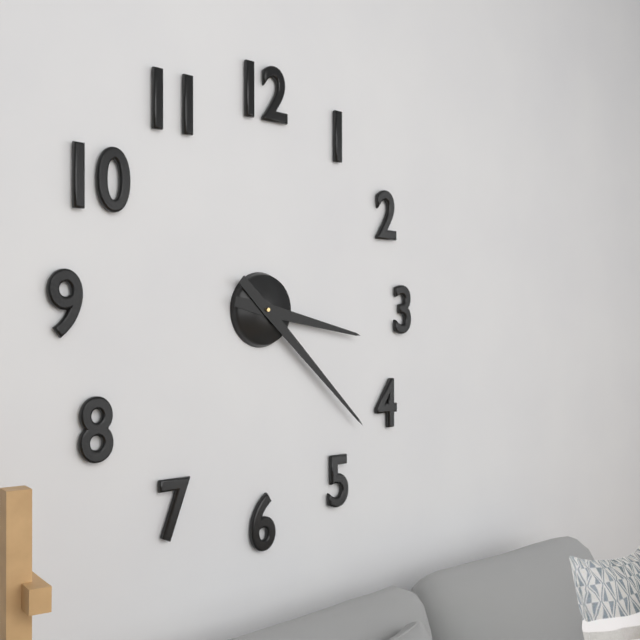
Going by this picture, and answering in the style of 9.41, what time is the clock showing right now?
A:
3.22
